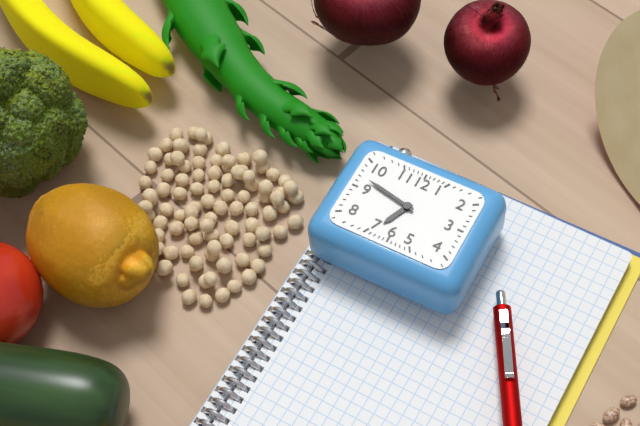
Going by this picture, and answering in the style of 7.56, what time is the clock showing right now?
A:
6.47
